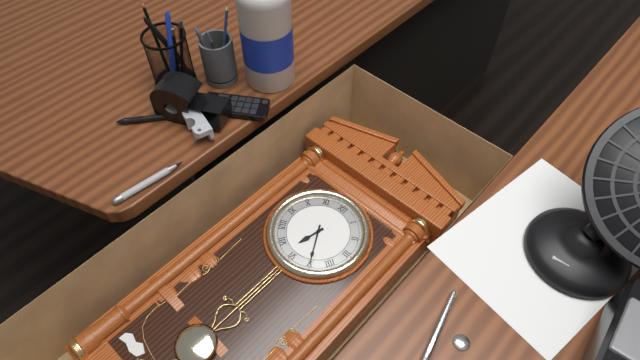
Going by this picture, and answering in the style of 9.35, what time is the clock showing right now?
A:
6.25
